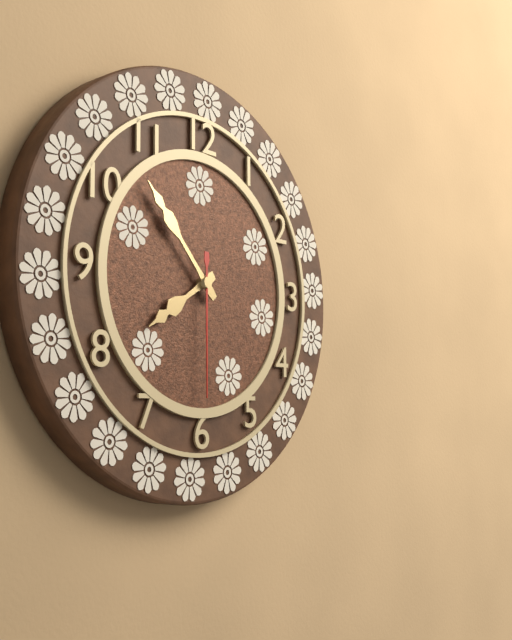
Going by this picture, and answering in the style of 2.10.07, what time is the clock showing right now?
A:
7.53.30
